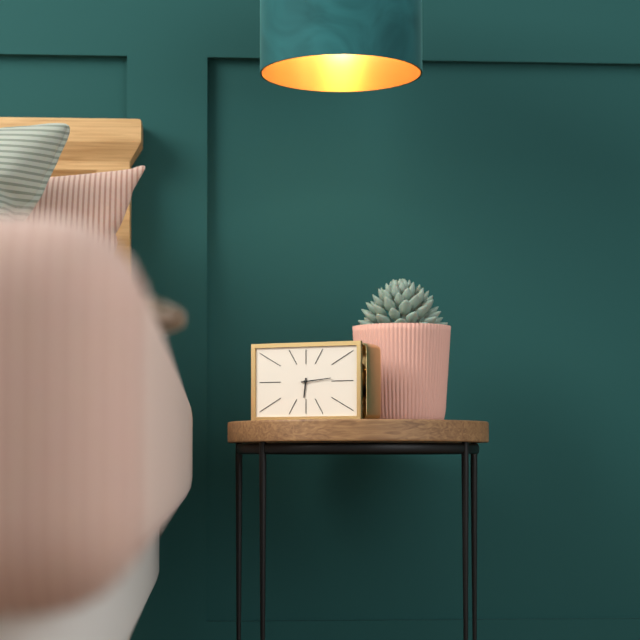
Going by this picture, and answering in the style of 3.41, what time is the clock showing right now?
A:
6.14
